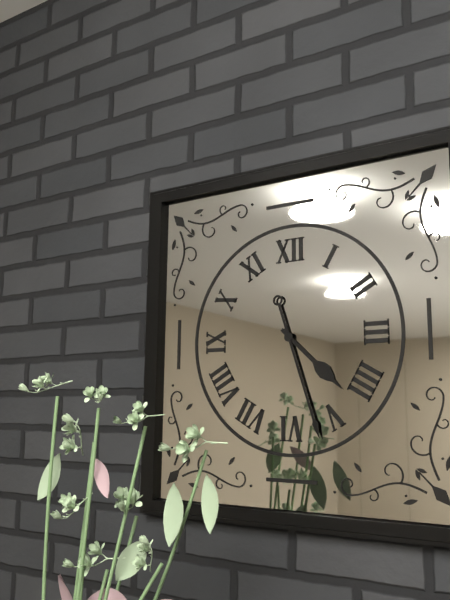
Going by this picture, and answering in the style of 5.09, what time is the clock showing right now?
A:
4.27
